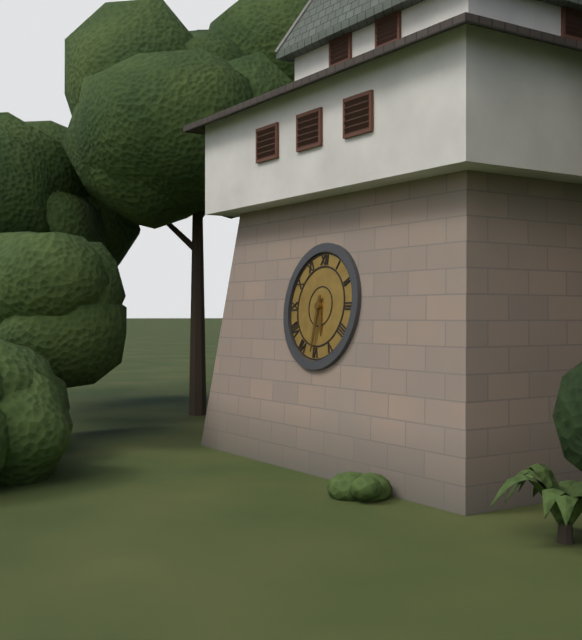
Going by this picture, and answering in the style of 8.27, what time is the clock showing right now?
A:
5.31
